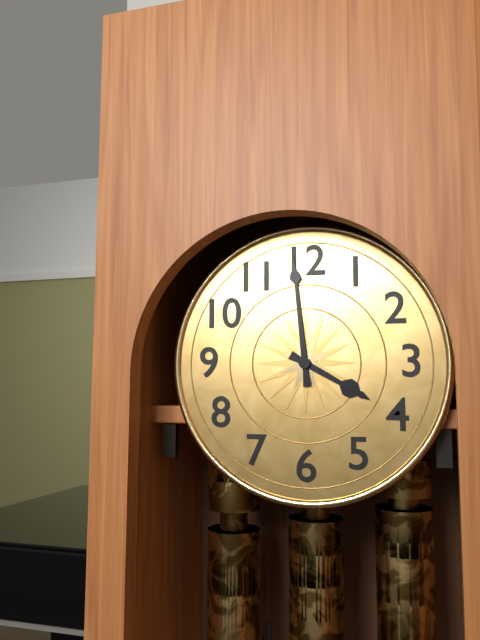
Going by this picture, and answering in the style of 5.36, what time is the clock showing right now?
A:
3.59
